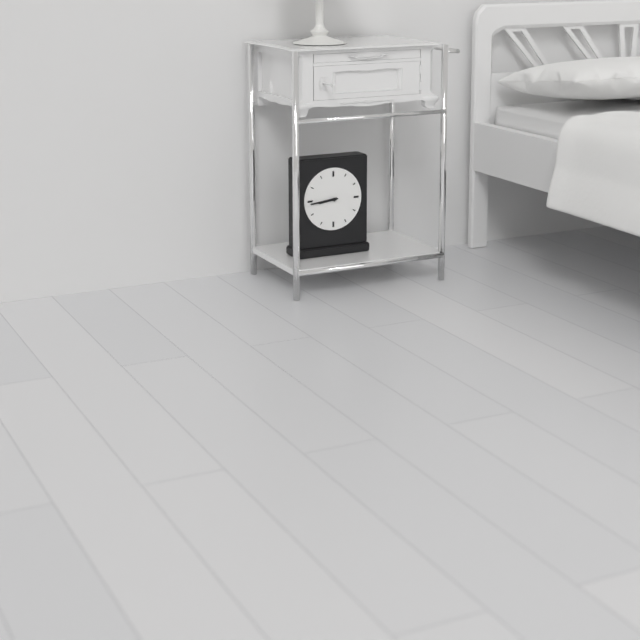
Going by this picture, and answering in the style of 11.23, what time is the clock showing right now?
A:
8.44
